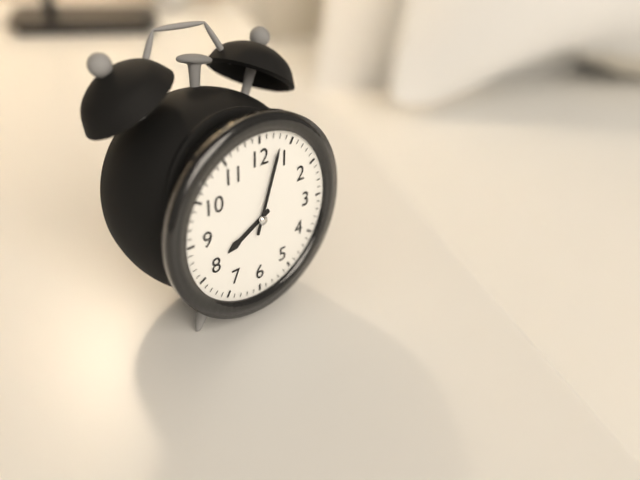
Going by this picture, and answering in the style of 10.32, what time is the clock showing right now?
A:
8.03
